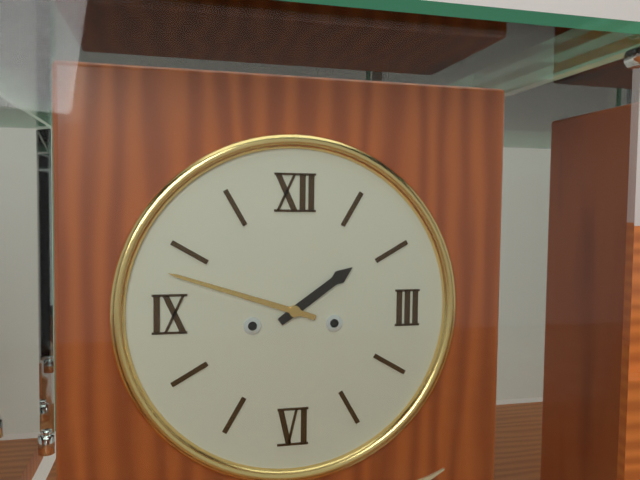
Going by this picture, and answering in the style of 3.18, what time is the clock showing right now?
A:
1.48
